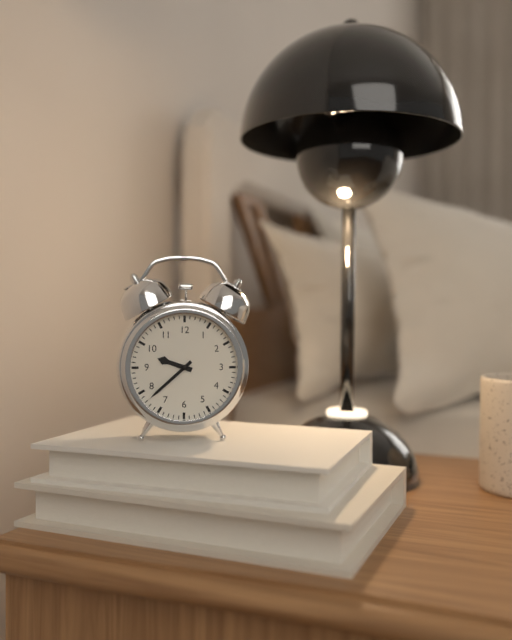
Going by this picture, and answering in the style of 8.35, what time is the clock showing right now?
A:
9.38
